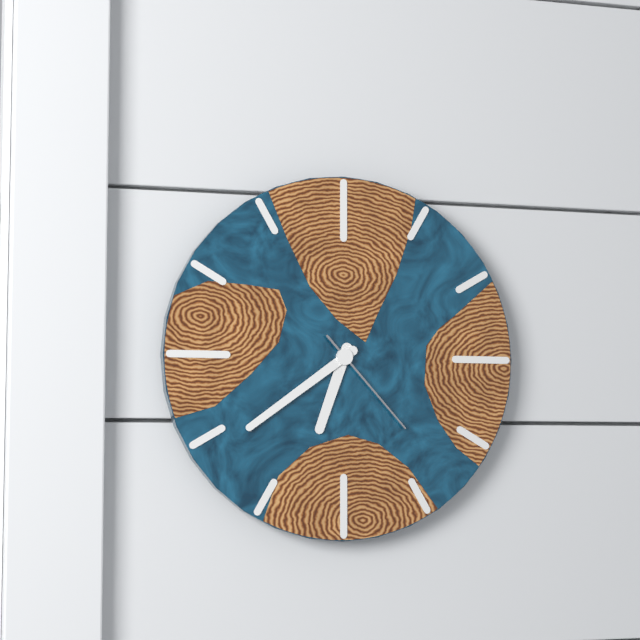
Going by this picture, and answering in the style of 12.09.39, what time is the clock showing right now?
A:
6.39.23
